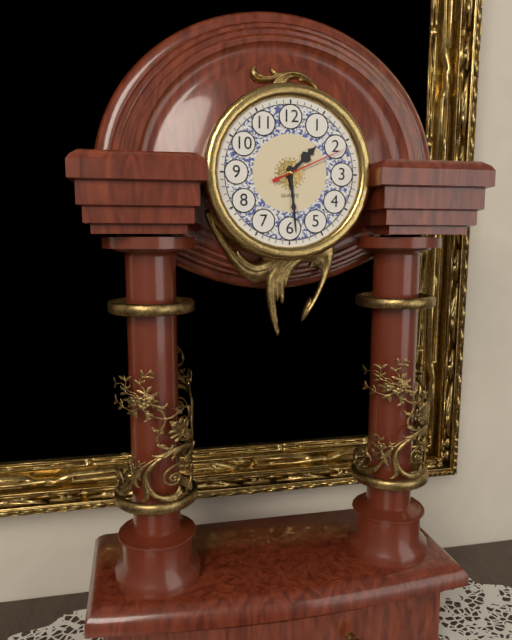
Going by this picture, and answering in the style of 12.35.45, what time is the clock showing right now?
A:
1.29.11
